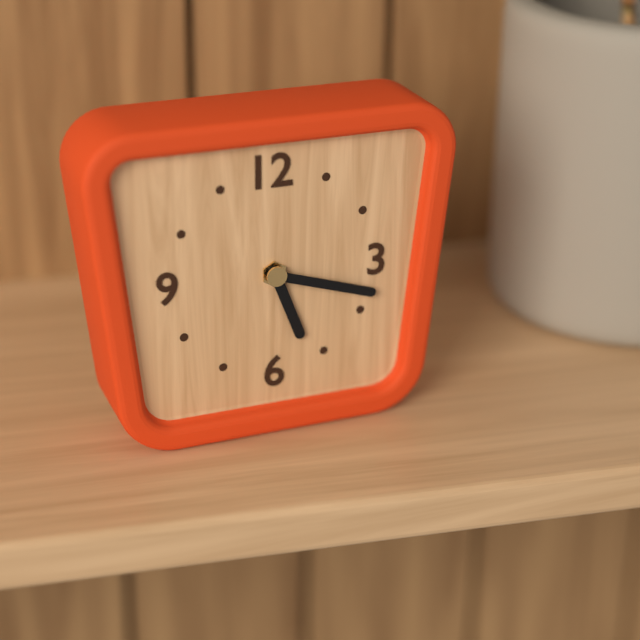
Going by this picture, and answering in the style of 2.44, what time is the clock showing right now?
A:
5.18
